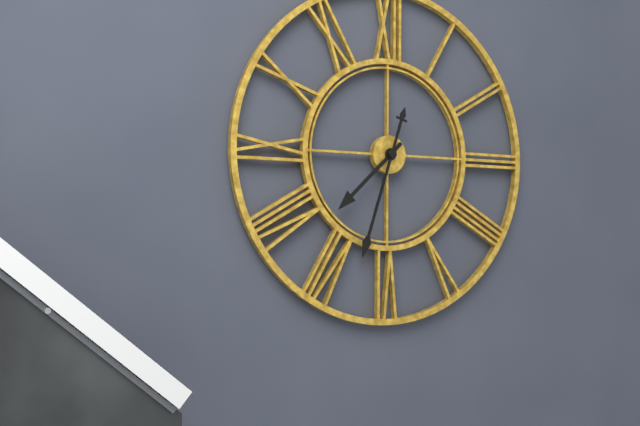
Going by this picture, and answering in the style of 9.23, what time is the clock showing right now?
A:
7.33
